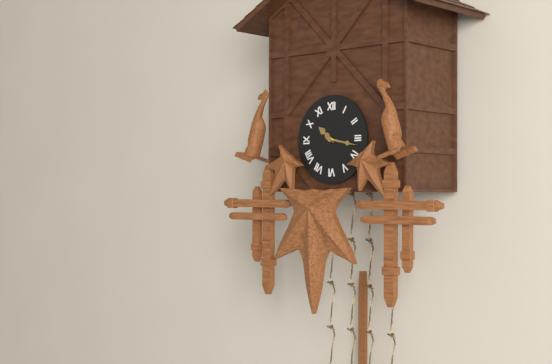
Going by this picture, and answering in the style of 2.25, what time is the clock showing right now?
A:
10.17
